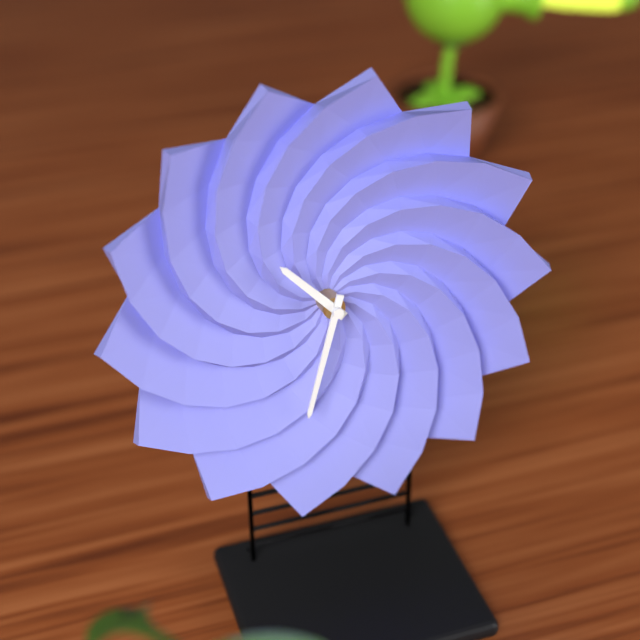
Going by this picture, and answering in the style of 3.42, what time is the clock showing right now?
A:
10.33
